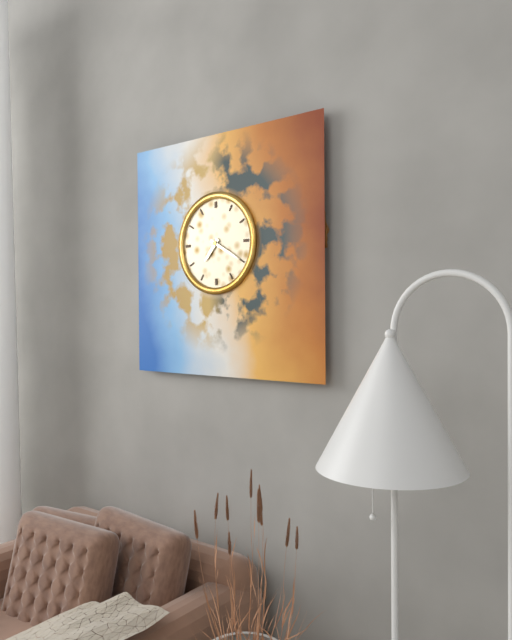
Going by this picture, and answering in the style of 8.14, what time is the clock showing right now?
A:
7.20
